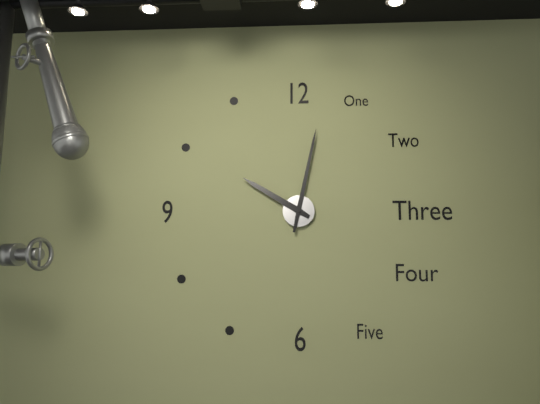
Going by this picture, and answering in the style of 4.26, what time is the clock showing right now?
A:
10.02
